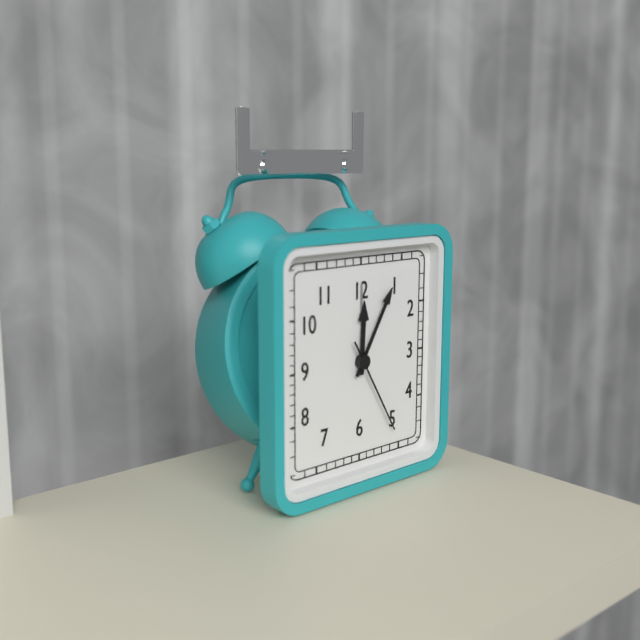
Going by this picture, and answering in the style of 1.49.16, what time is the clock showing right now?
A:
12.05.25
